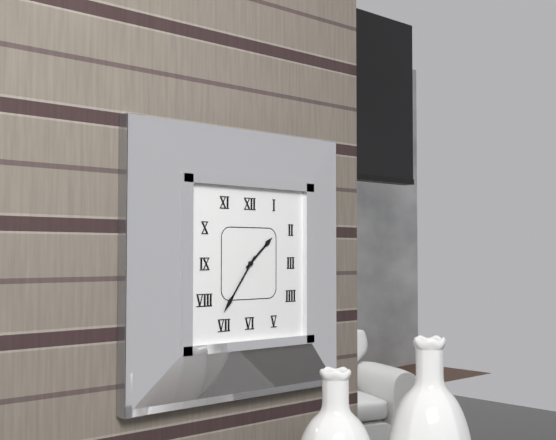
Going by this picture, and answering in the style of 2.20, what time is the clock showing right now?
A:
1.36
